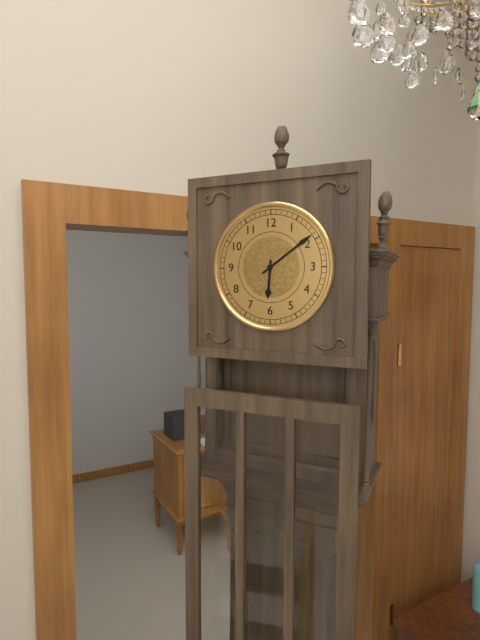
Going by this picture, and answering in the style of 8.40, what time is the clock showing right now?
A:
6.09
